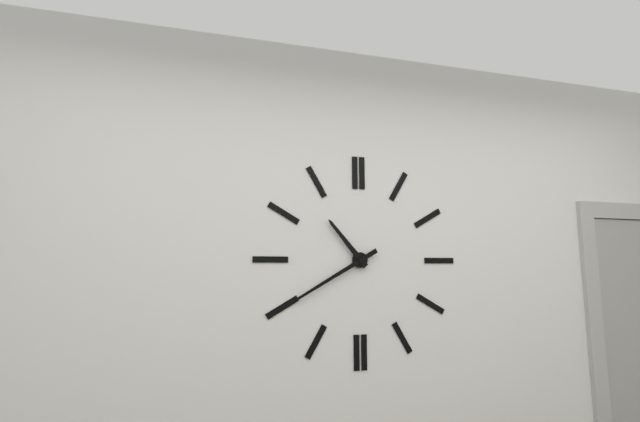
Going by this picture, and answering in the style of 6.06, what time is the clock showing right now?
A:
10.40
